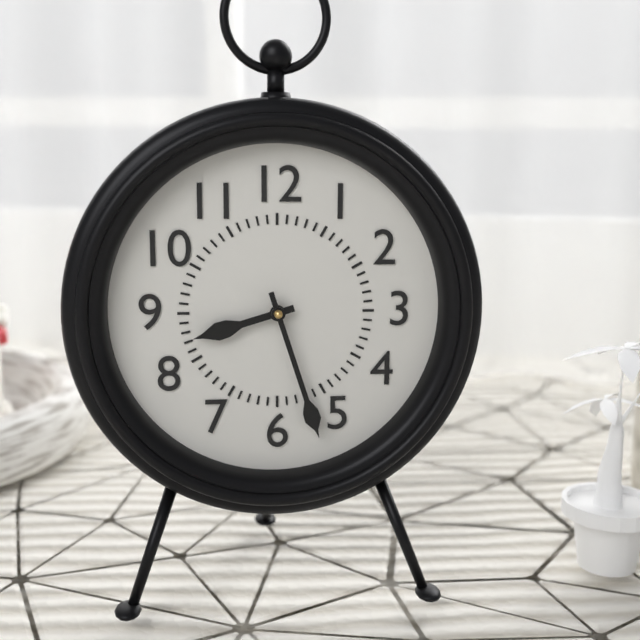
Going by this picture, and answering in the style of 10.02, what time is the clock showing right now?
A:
8.27
